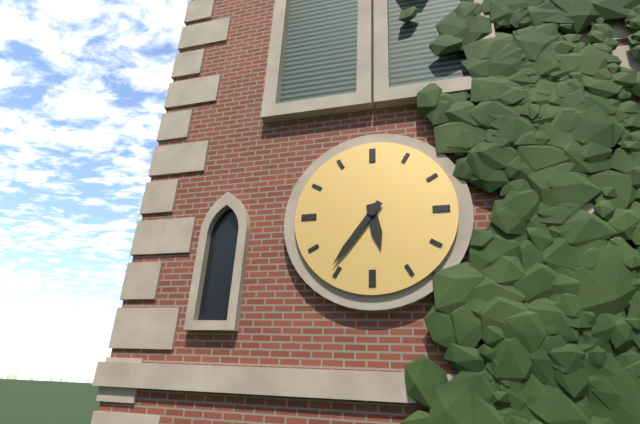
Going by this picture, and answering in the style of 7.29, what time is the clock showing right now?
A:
5.36
